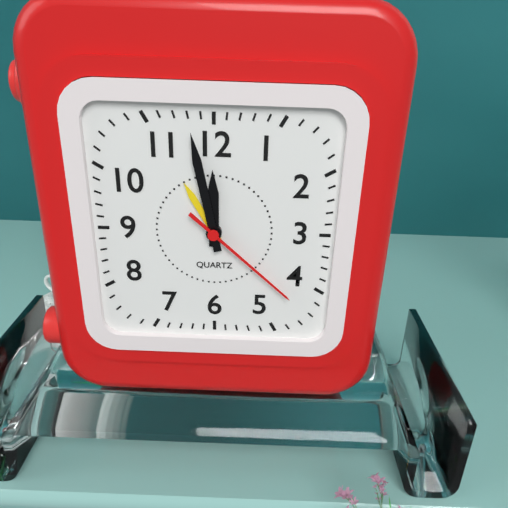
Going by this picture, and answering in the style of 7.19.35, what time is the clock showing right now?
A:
11.58.22
